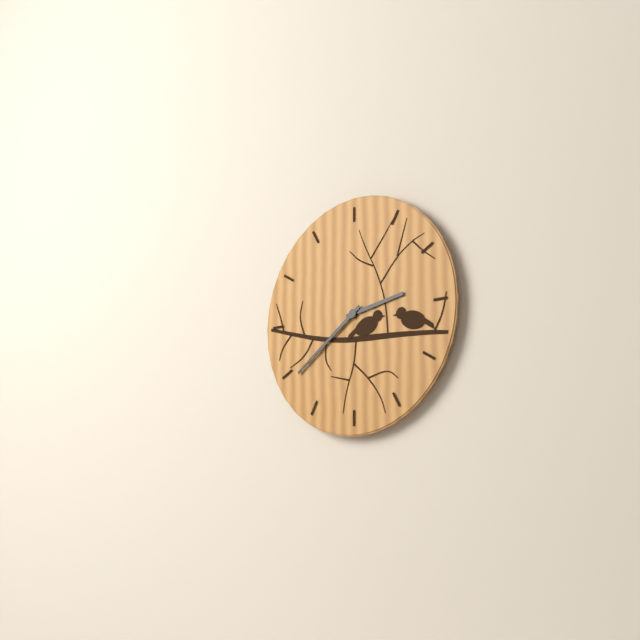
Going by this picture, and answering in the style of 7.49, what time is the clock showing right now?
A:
2.39
